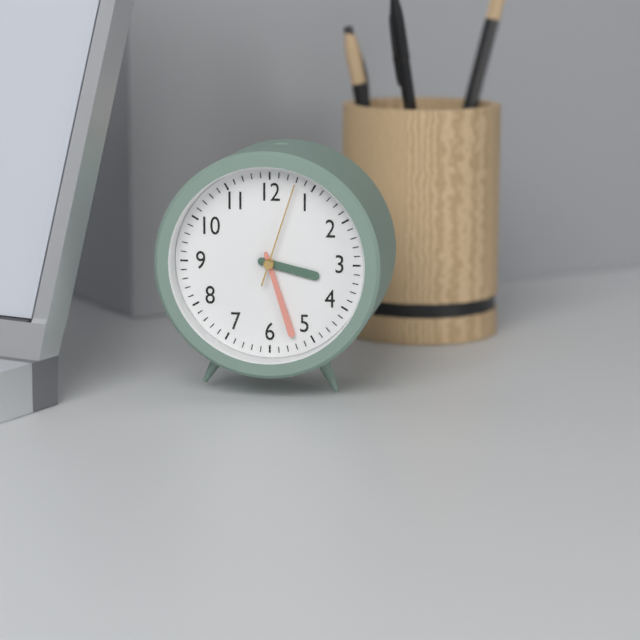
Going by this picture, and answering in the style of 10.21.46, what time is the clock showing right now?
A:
3.27.03
